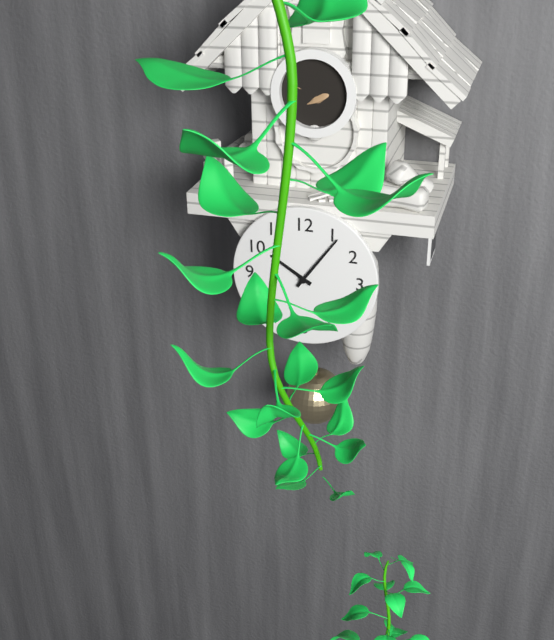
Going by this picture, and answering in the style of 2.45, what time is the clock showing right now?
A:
10.06
